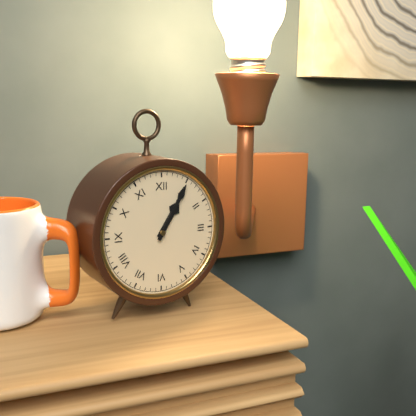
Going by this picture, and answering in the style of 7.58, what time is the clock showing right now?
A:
1.05
